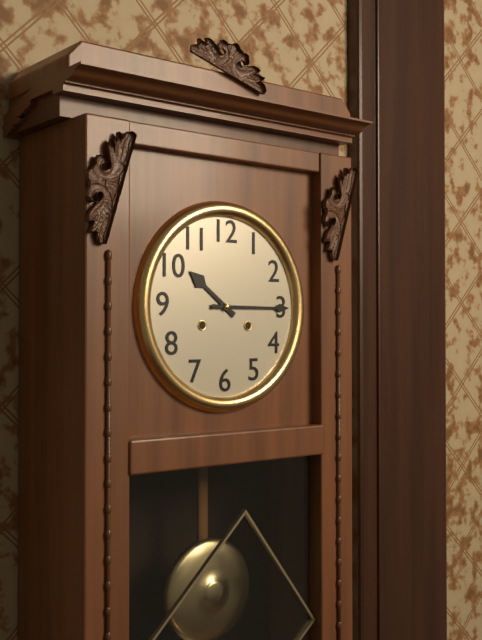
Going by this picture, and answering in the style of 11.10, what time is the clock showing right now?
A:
10.15
